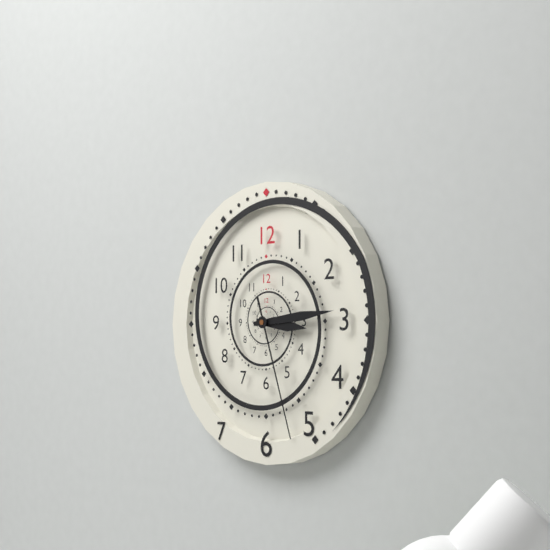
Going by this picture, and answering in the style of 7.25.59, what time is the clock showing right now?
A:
3.14.27
